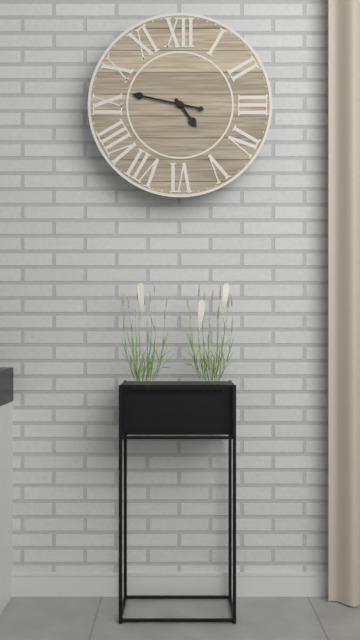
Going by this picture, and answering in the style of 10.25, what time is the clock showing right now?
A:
4.47
